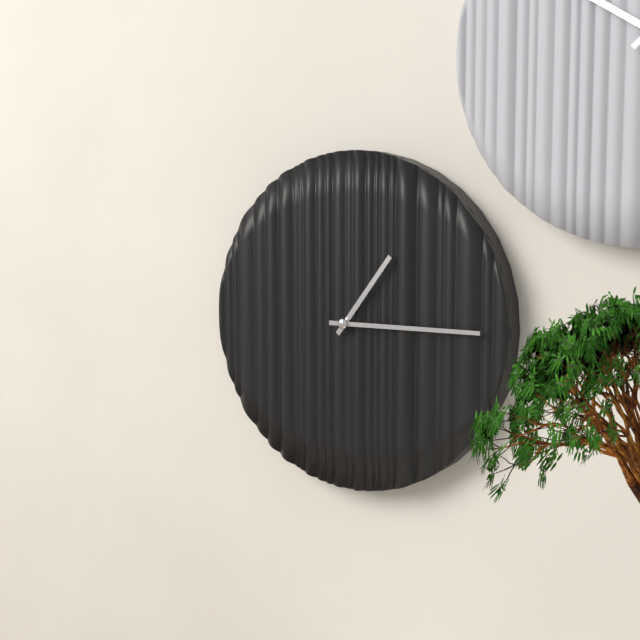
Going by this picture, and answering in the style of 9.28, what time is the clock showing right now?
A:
1.15
